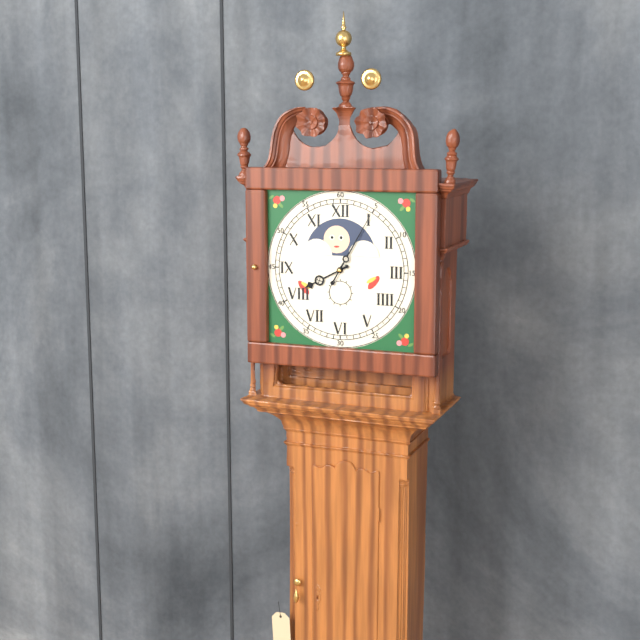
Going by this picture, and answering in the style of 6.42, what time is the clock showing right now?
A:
8.05
